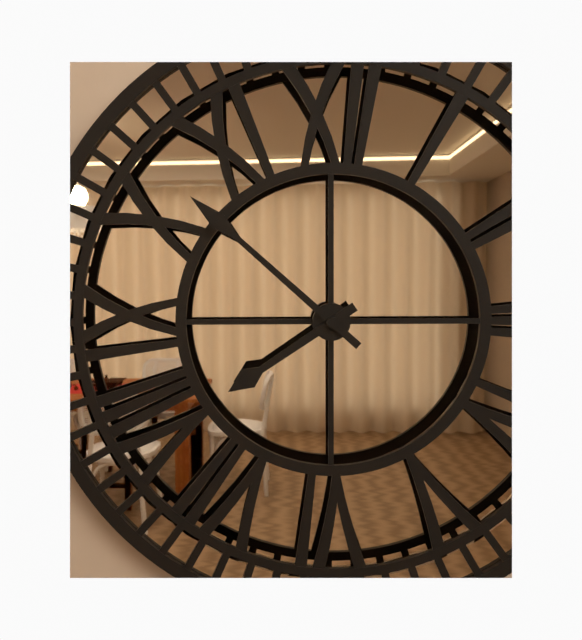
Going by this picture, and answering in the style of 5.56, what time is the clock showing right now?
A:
7.52
